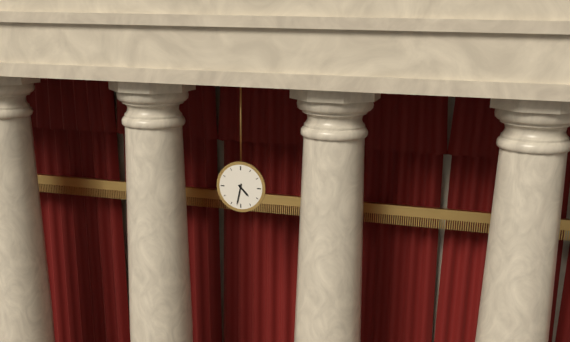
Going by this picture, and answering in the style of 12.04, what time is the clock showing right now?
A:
4.32
